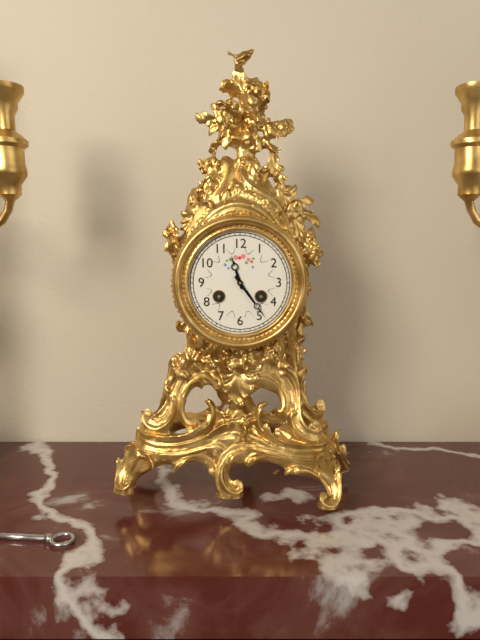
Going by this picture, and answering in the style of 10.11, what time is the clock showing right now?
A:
11.24
